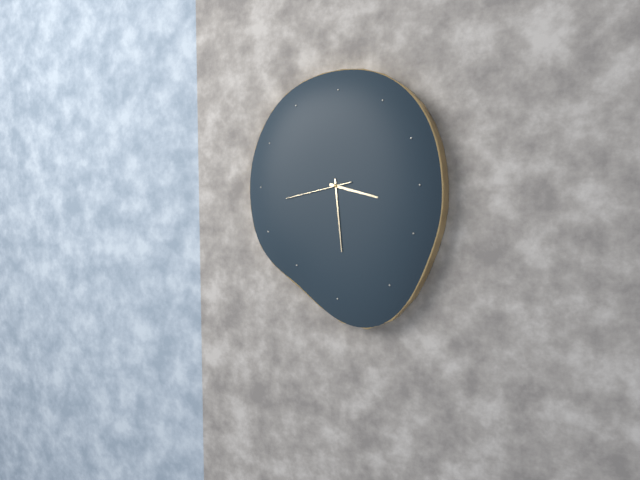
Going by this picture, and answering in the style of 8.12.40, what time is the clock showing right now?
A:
3.29.43
